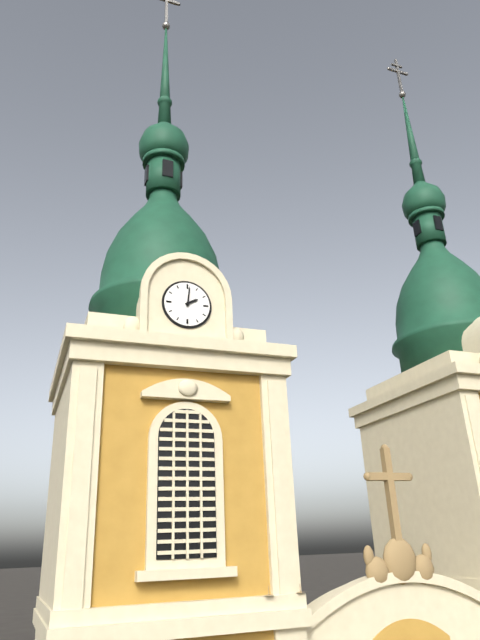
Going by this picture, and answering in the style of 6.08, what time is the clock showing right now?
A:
2.01
